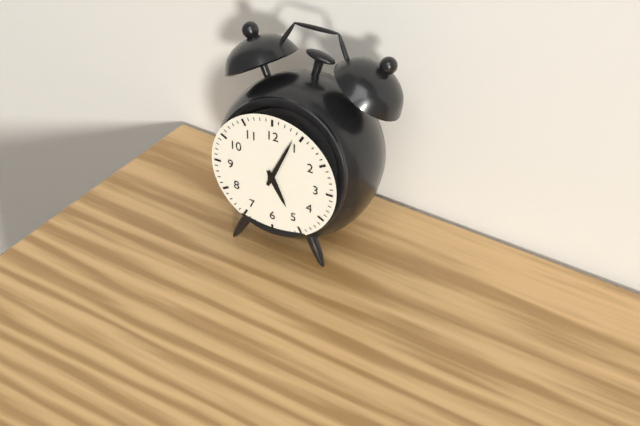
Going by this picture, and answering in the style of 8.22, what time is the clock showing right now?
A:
5.04
